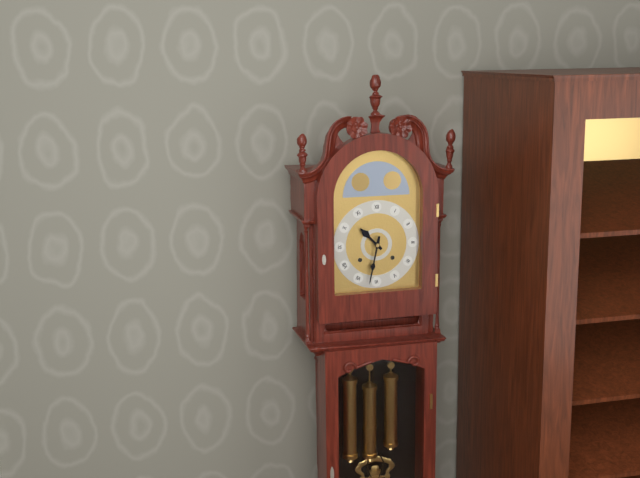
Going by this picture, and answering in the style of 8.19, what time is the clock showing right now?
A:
10.32
